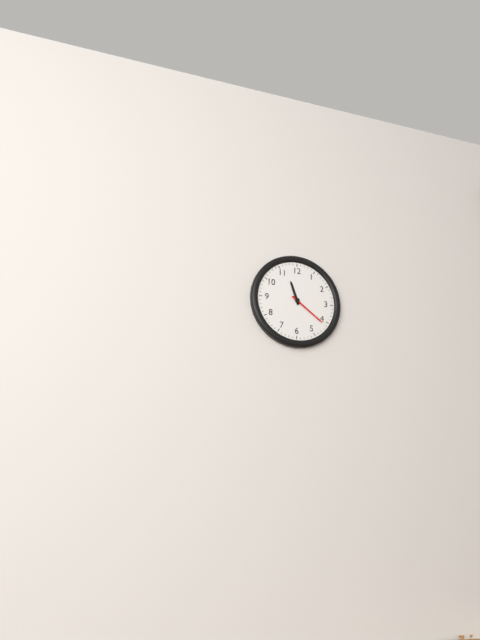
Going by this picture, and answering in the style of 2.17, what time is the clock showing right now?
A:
11.21
